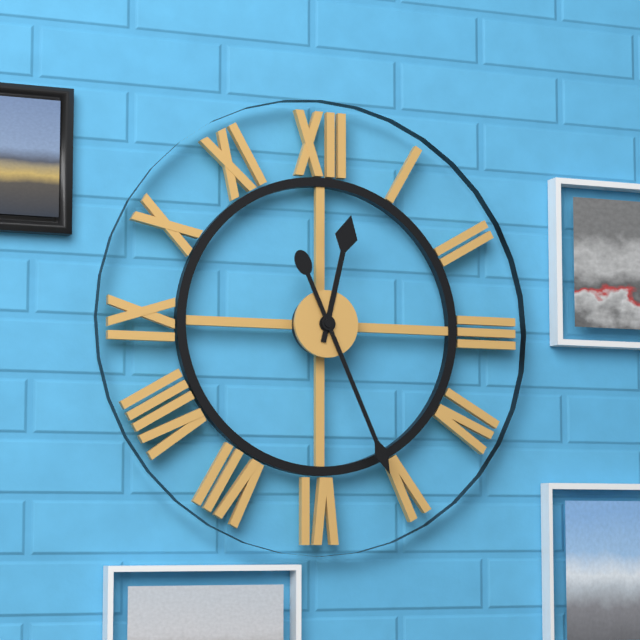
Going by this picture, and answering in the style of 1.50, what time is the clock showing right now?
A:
12.26
